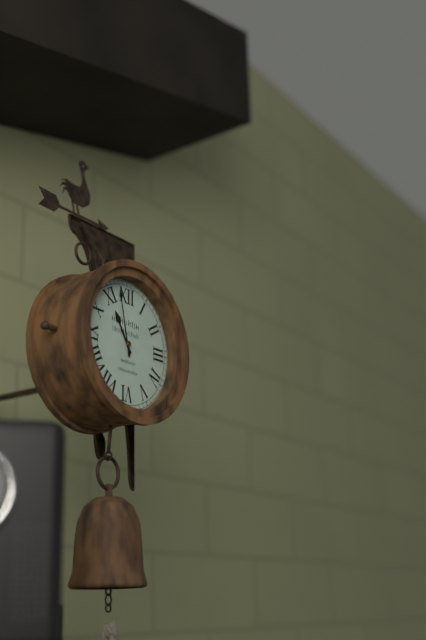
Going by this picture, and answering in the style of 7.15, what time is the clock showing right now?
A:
10.58
